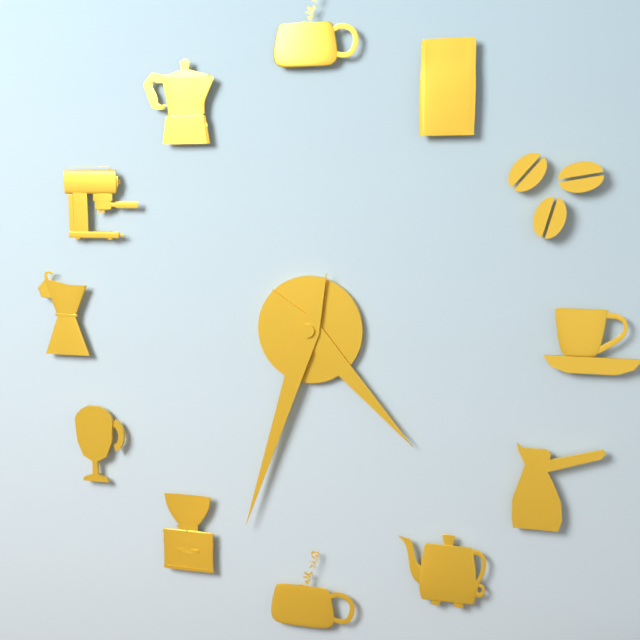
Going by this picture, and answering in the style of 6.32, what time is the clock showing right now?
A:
4.33
